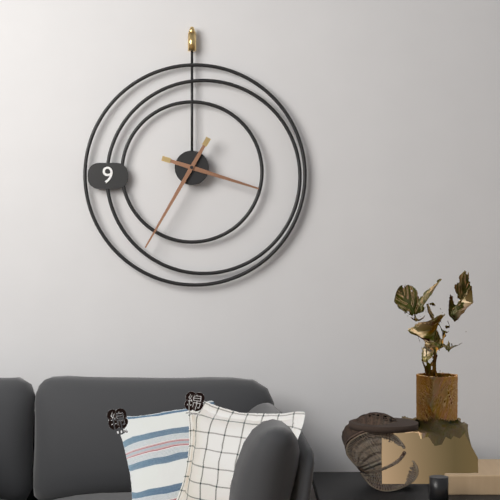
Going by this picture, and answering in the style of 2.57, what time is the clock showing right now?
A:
3.35
